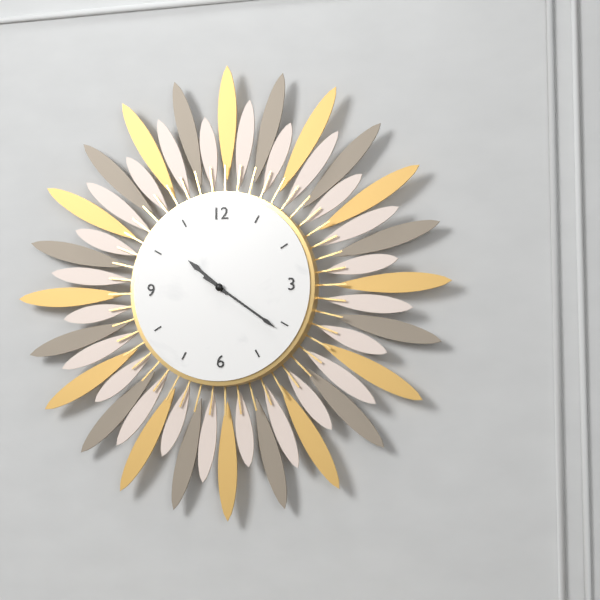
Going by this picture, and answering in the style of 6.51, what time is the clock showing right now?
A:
10.21
